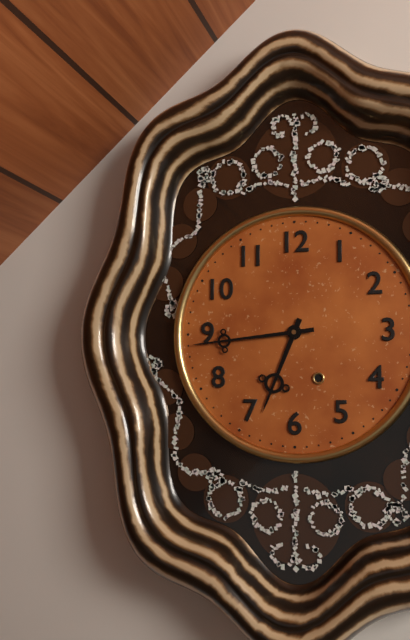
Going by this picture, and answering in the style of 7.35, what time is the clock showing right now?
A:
6.44
